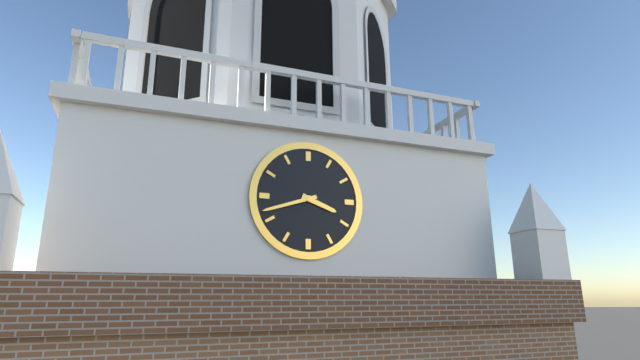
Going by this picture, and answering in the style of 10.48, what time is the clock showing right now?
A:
3.42
